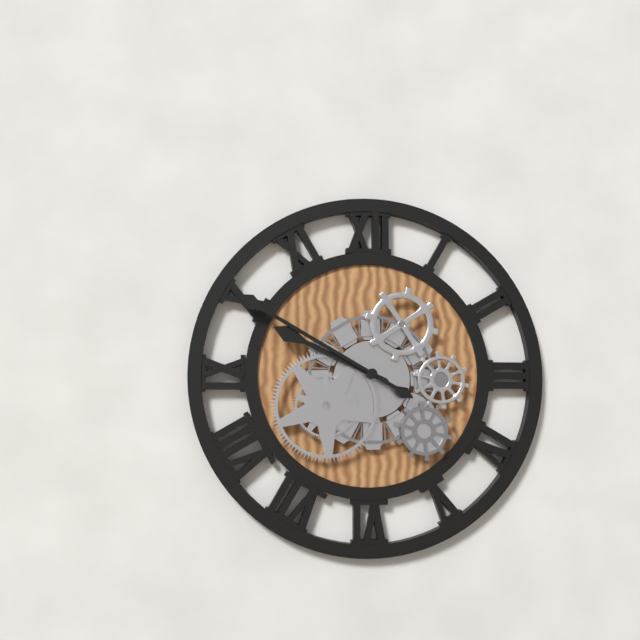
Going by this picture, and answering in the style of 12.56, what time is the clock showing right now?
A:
9.50
